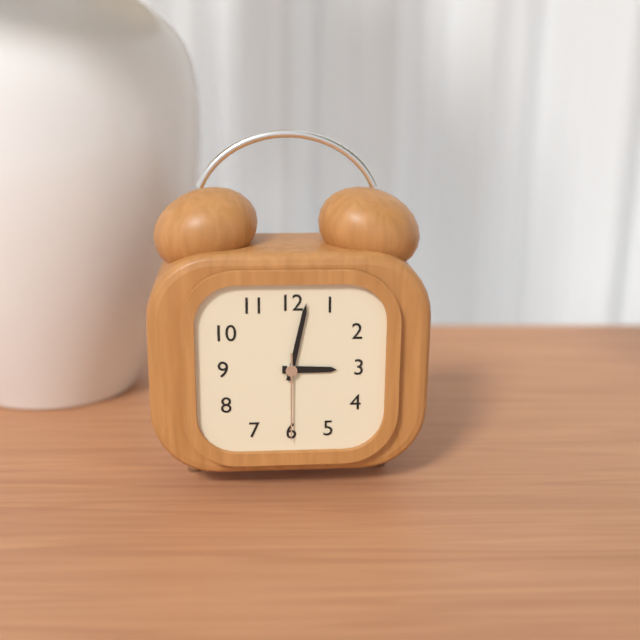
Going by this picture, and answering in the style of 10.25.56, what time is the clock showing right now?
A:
3.02.30
